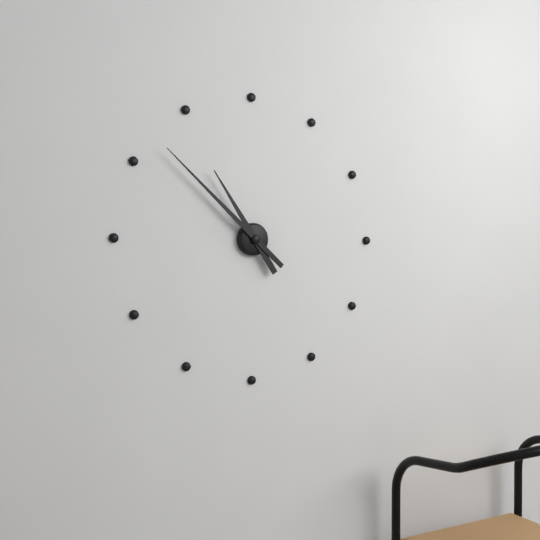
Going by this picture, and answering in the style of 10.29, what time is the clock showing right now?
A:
10.52
